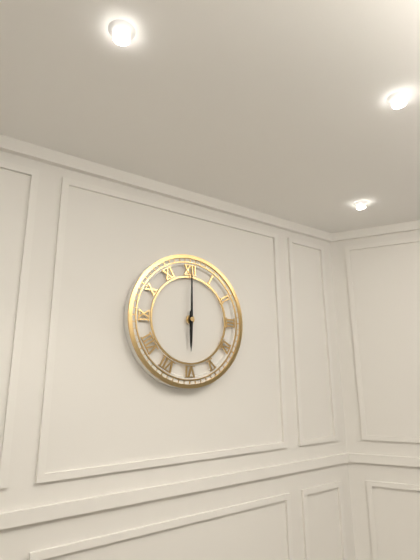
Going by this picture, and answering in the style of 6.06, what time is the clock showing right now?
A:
6.00
